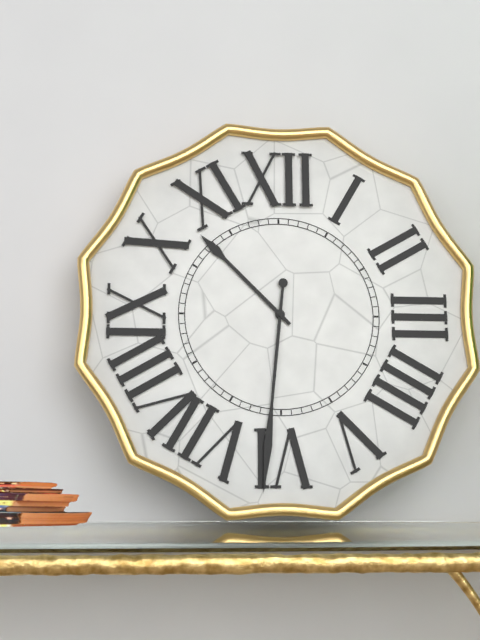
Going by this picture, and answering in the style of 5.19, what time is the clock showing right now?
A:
10.31
